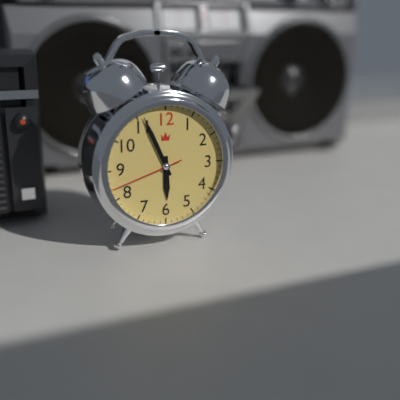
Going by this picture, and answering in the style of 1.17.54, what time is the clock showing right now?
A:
5.56.42
